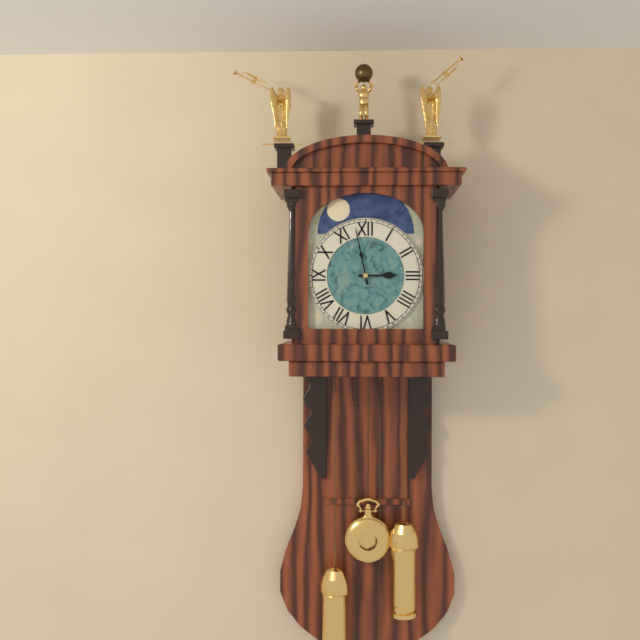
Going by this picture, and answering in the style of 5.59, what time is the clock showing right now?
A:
2.58
